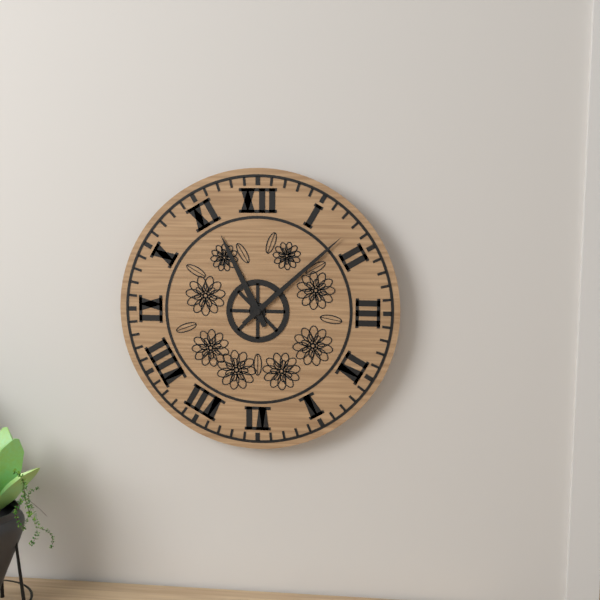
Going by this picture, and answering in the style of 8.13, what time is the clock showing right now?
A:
11.08
